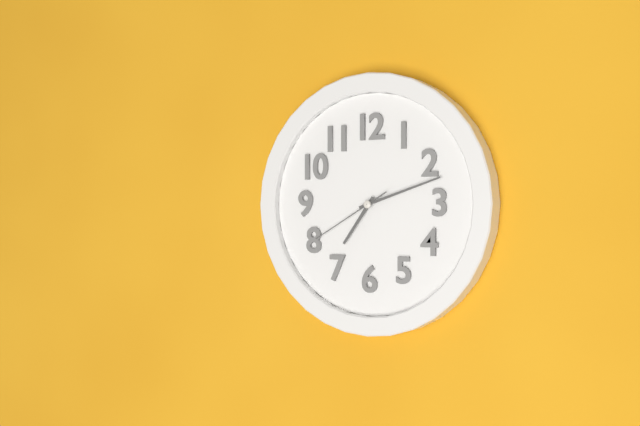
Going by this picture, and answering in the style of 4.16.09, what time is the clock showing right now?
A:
7.12.40
